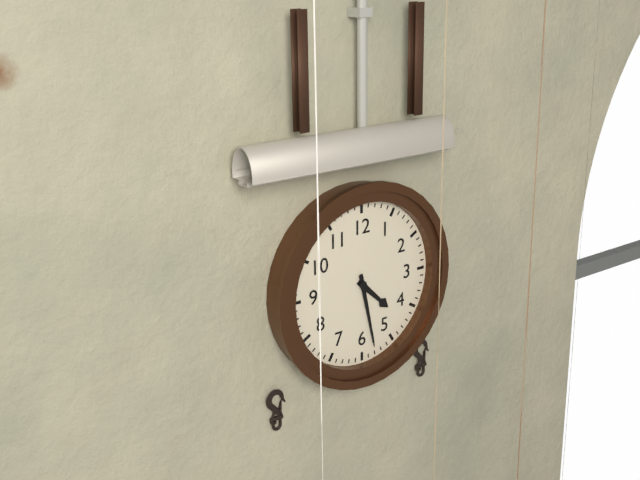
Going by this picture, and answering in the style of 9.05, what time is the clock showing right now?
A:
4.28
